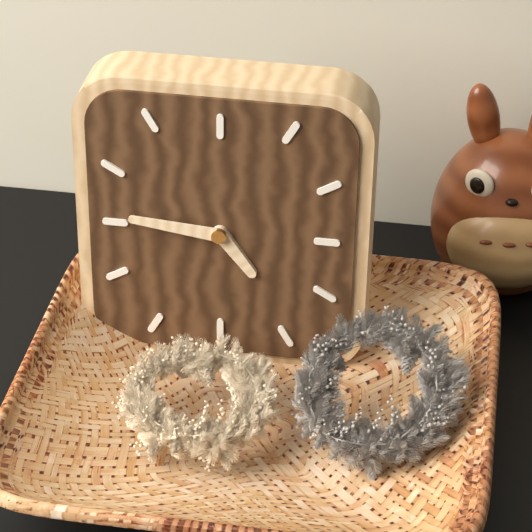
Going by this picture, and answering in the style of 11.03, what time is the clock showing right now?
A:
4.46
